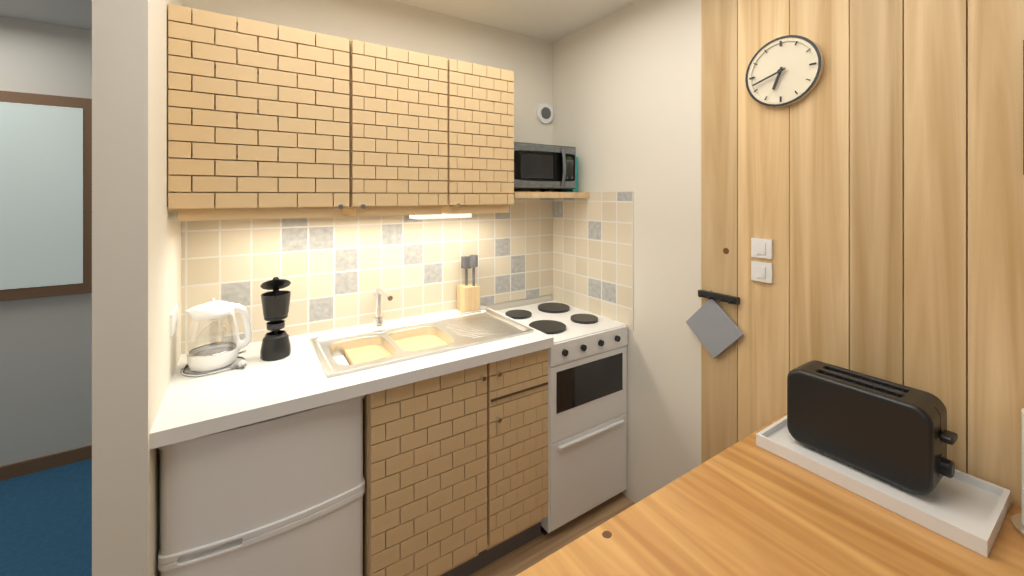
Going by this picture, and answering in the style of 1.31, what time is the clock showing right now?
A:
6.42
